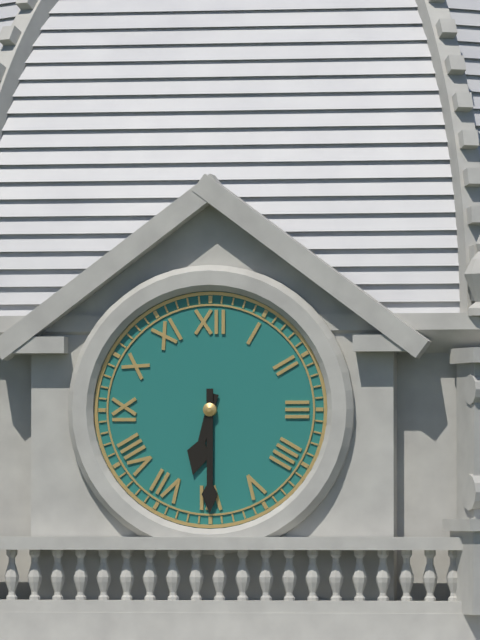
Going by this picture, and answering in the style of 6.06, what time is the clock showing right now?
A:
6.30
